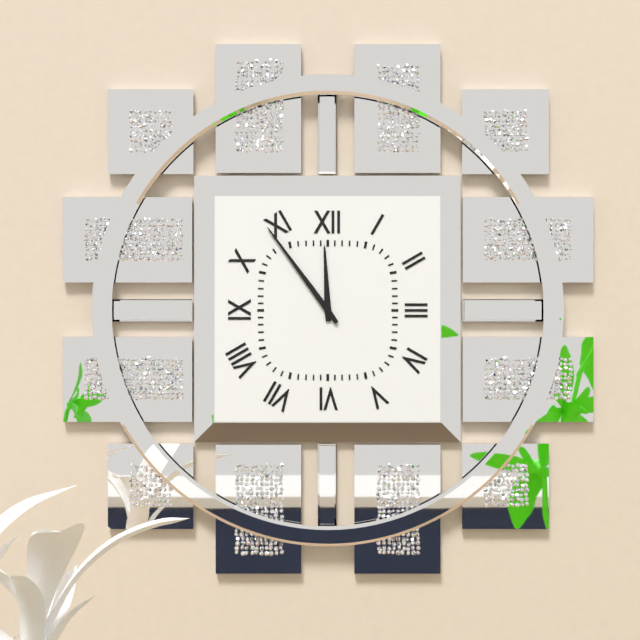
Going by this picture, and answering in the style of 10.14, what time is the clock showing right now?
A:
11.54
